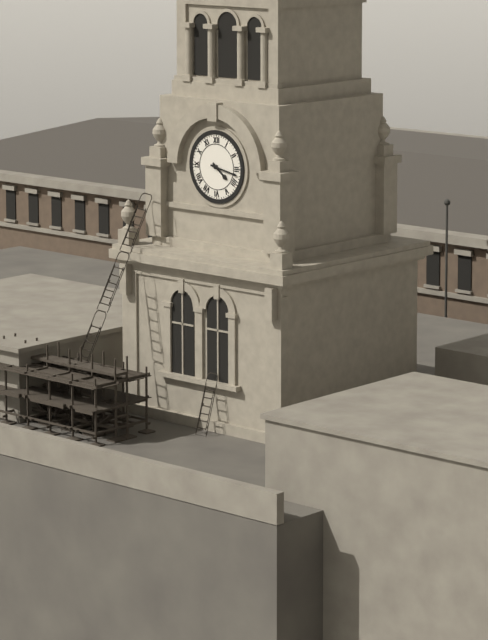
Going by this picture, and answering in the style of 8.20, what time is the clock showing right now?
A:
4.17
